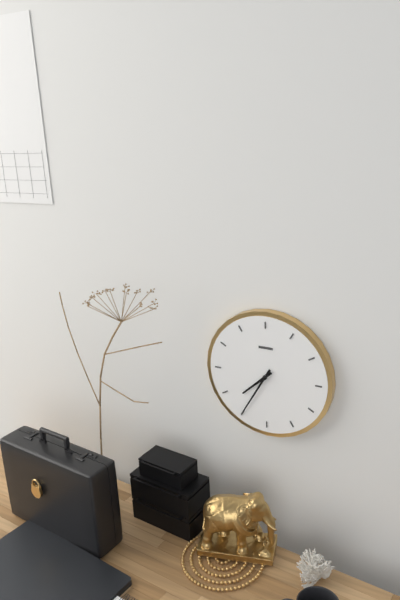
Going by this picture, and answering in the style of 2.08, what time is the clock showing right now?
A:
7.35
